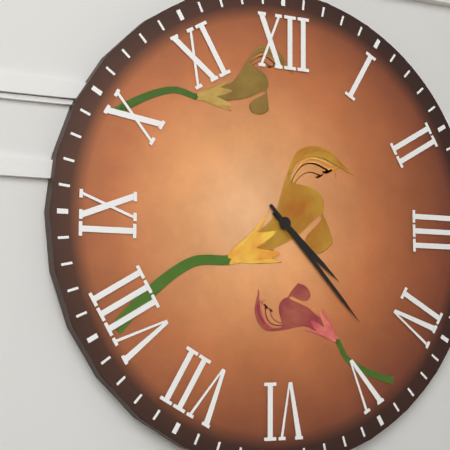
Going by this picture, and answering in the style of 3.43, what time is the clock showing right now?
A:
4.23
